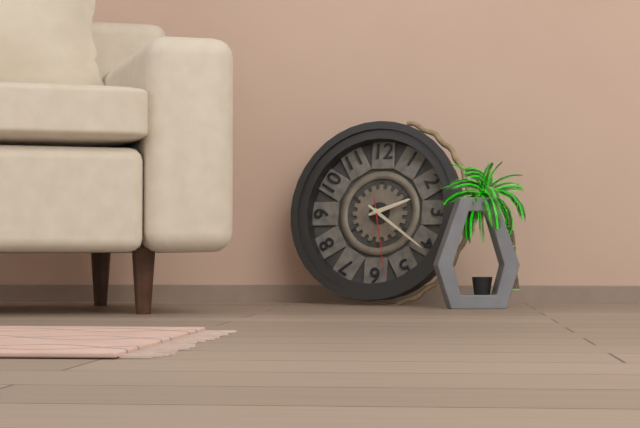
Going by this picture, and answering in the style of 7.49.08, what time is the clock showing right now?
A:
2.21.28
